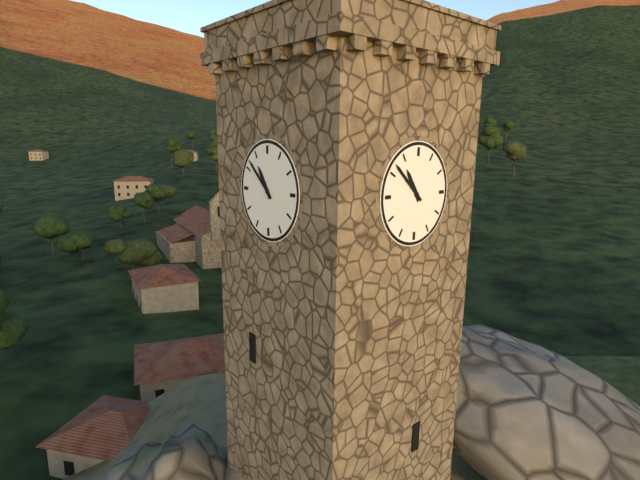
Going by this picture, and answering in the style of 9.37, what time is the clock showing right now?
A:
10.52
